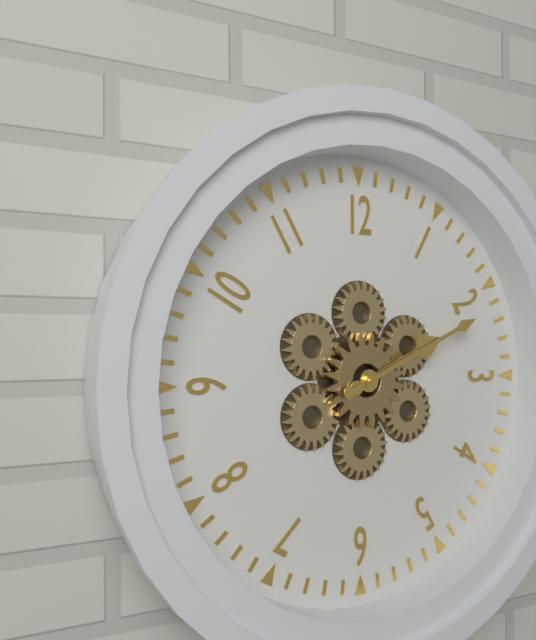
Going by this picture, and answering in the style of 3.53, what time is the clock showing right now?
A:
2.11
